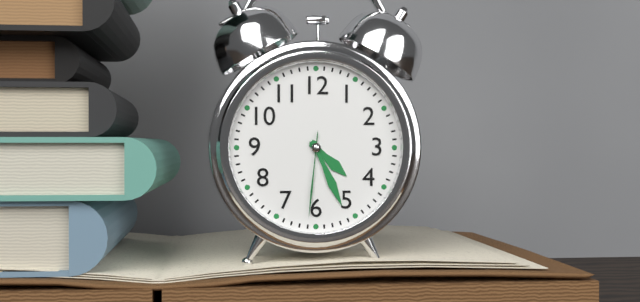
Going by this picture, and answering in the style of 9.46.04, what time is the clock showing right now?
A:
4.26.31
